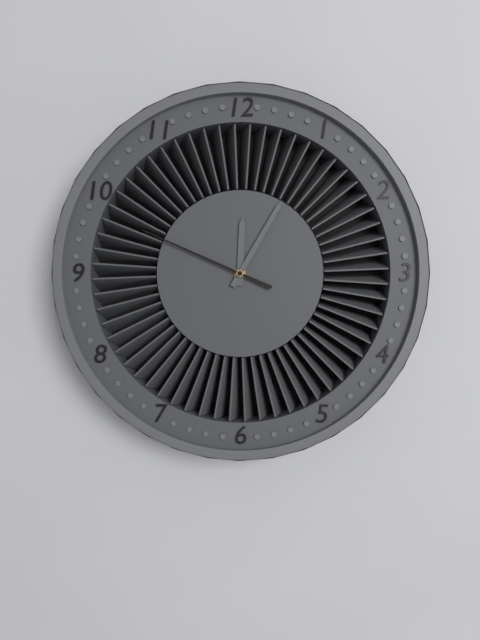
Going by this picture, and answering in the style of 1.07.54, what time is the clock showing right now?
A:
12.05.49
